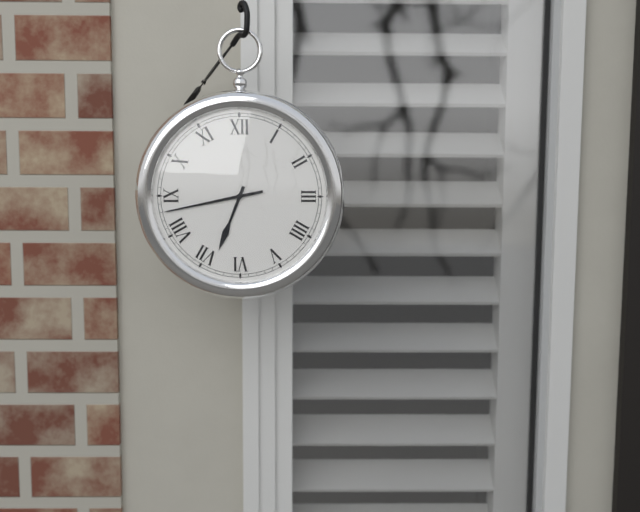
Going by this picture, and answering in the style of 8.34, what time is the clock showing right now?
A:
6.43
